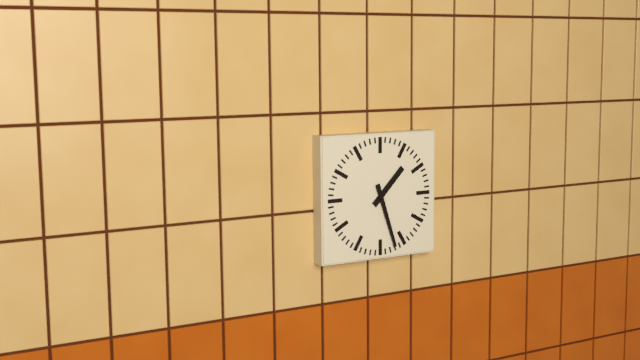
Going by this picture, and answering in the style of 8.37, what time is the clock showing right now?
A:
1.27
